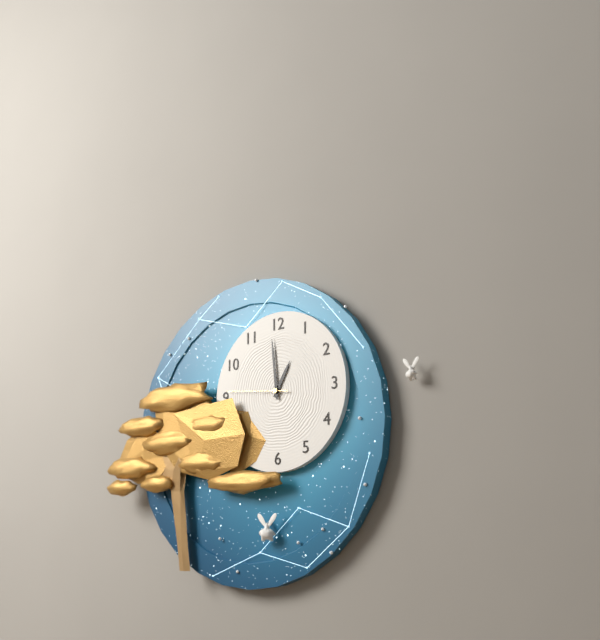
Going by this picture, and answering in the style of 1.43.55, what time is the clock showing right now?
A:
12.59.46
